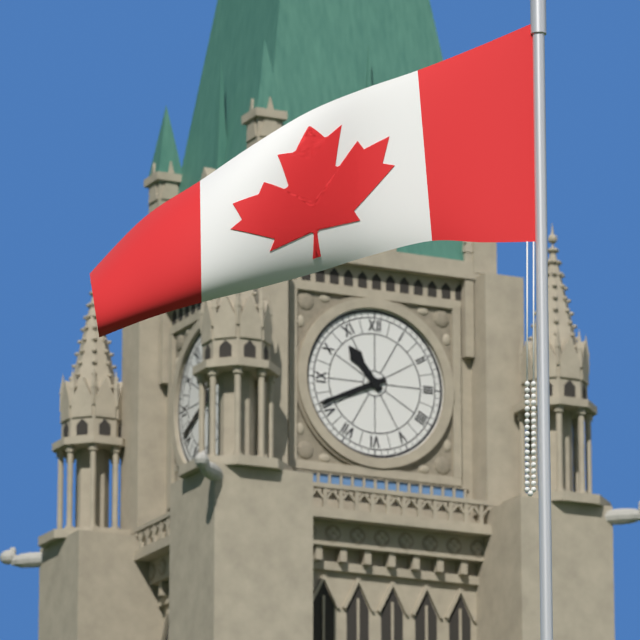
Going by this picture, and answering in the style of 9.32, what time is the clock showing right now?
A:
10.41
